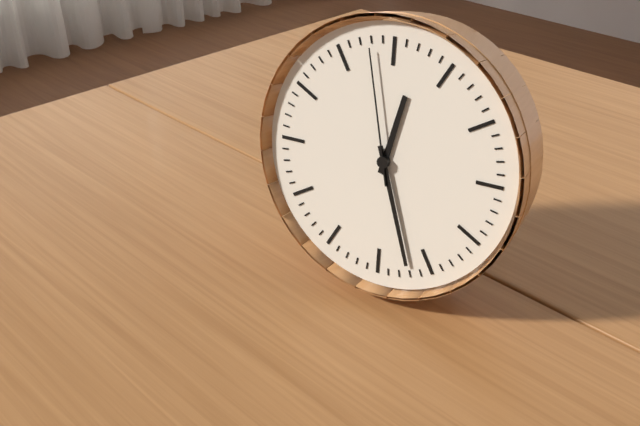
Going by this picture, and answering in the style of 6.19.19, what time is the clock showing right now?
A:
12.27.58
